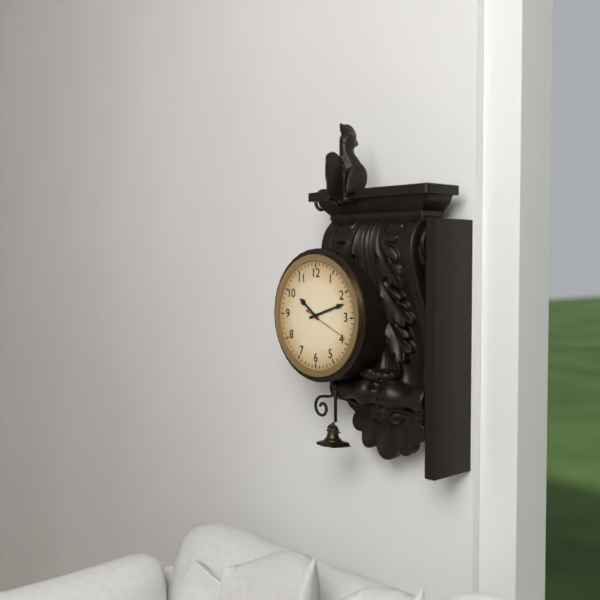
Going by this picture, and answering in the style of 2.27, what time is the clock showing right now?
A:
10.12
